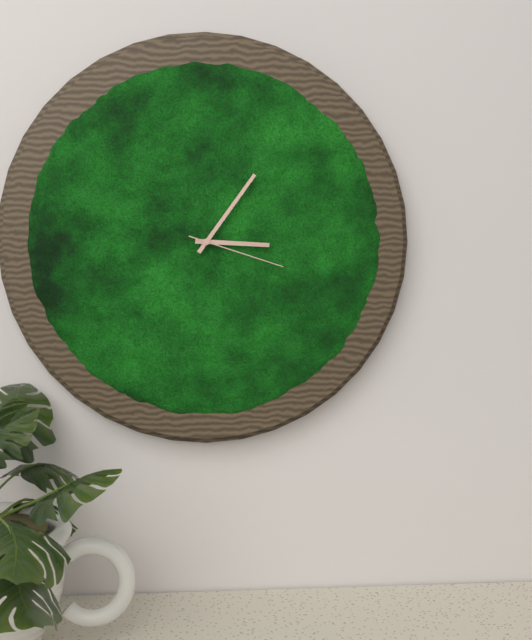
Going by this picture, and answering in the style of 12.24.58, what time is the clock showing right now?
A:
3.06.18
